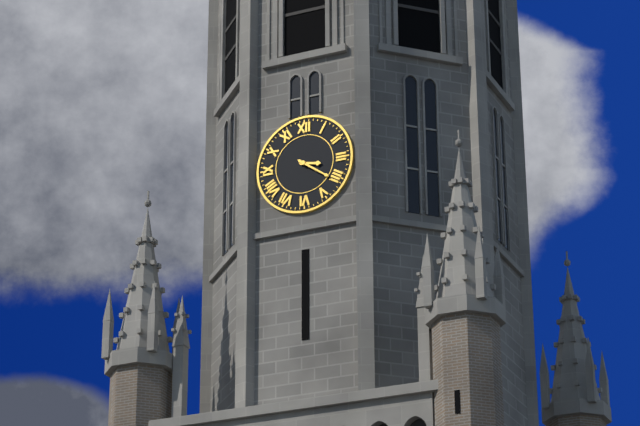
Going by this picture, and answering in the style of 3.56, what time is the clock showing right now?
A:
3.21
